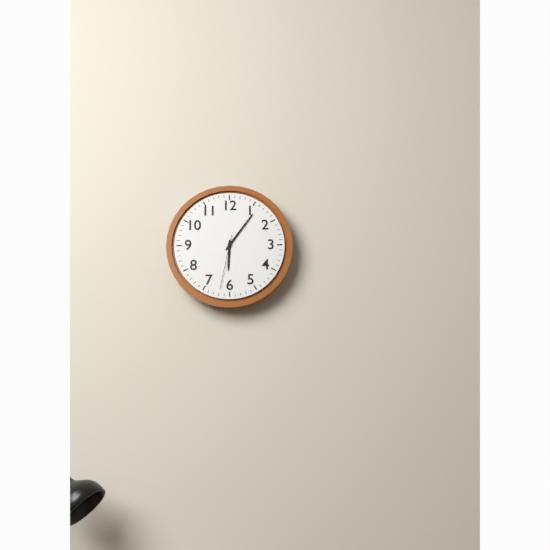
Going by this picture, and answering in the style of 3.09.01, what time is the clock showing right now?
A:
6.06.32
